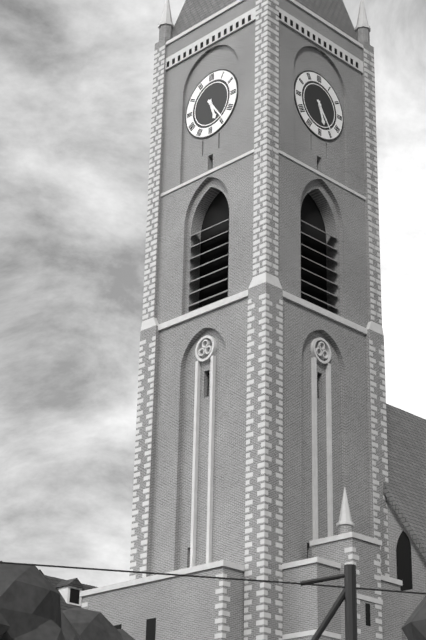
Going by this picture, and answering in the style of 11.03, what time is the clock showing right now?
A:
5.24
